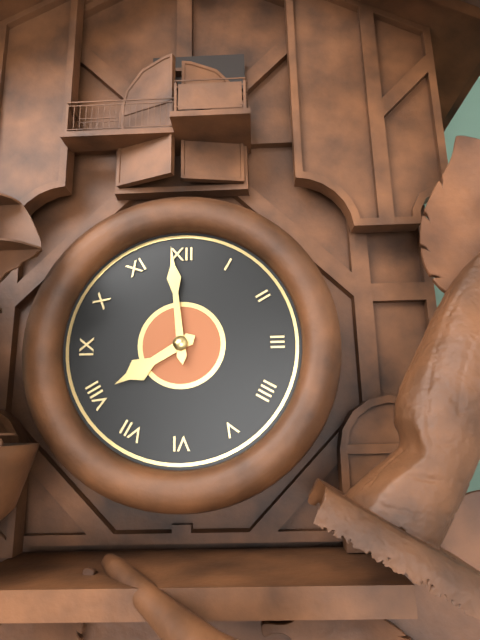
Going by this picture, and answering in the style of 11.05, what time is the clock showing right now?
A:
7.59
